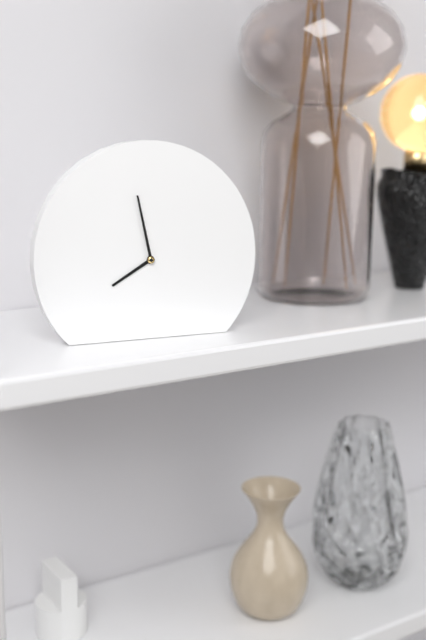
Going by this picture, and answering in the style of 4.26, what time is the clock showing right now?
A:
7.58
